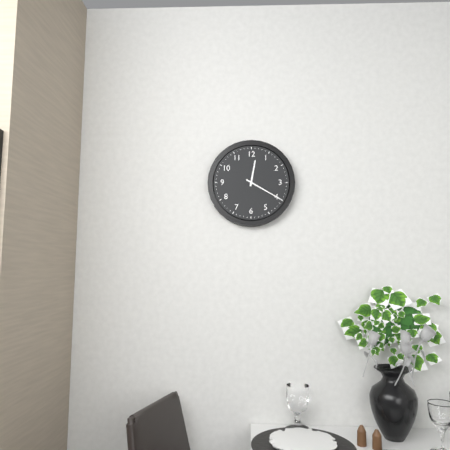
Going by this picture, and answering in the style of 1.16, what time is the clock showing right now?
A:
12.20
